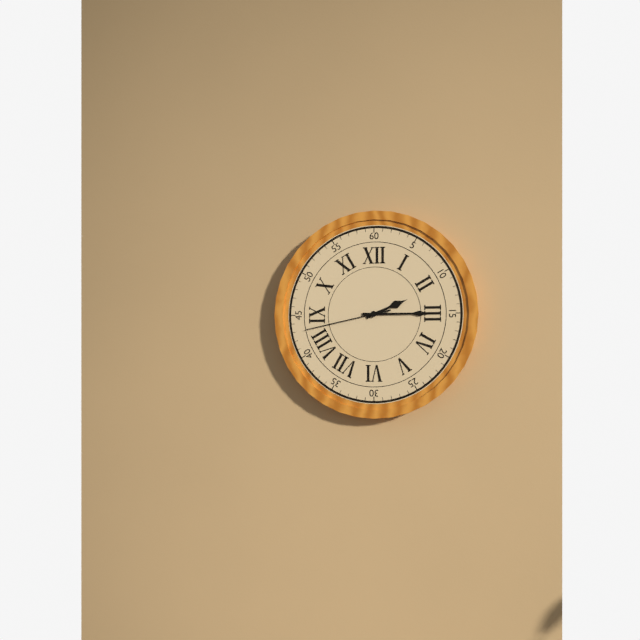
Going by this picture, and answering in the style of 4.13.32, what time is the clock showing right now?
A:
2.15.43
